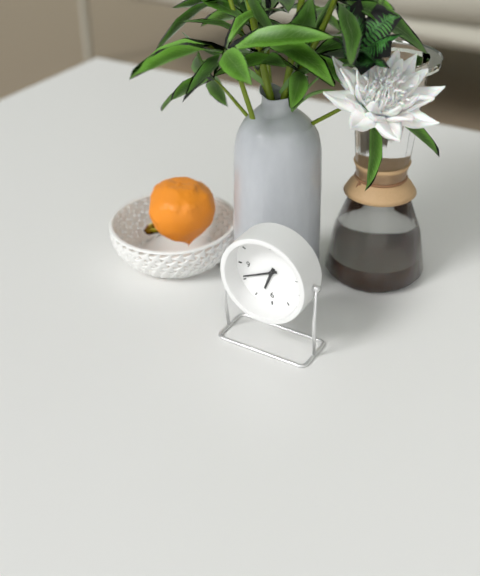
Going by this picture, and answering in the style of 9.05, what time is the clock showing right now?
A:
6.41
